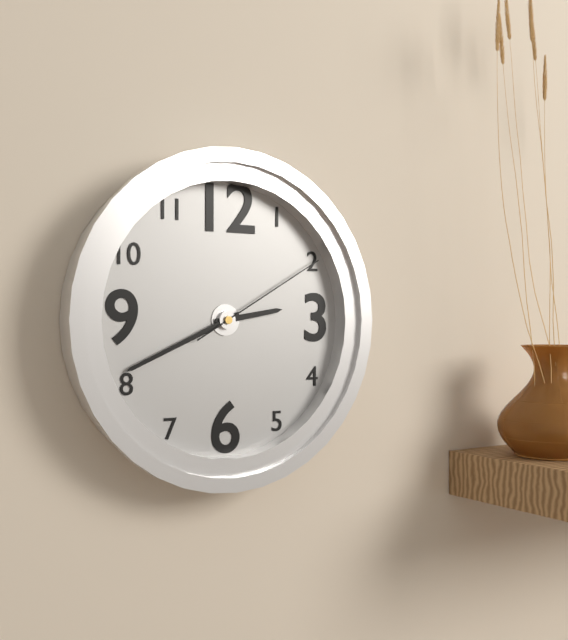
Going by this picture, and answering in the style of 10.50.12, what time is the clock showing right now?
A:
2.41.10
